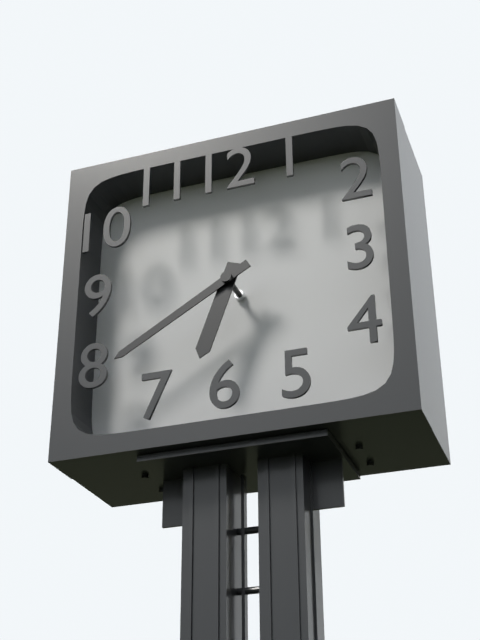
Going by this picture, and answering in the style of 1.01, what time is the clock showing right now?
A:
6.40
